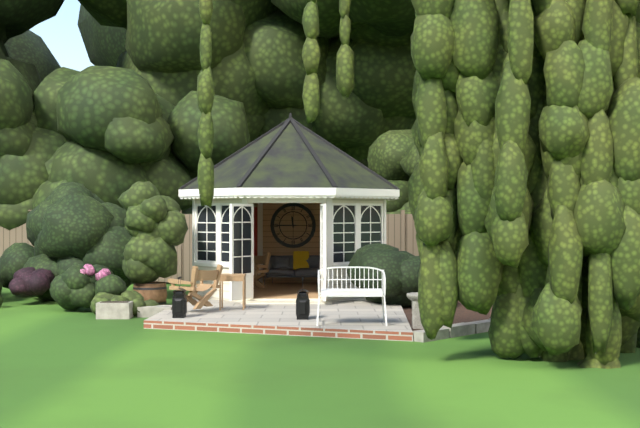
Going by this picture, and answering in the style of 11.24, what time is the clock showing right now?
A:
11.45
